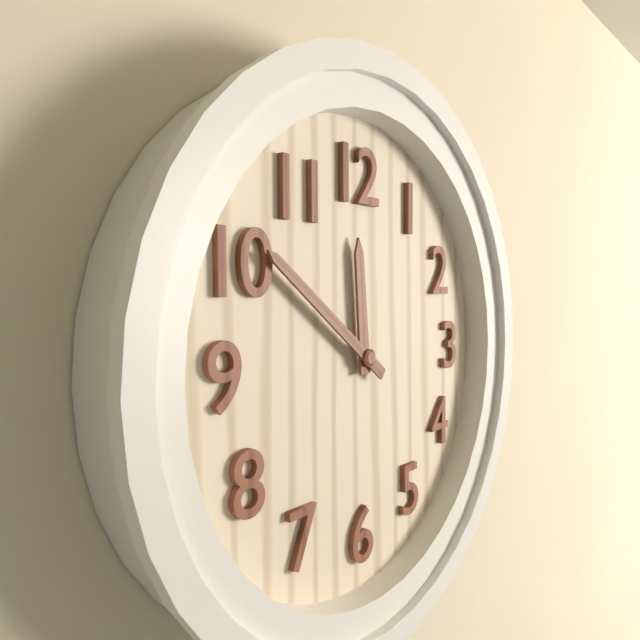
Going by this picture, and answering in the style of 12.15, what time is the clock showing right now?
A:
11.51
